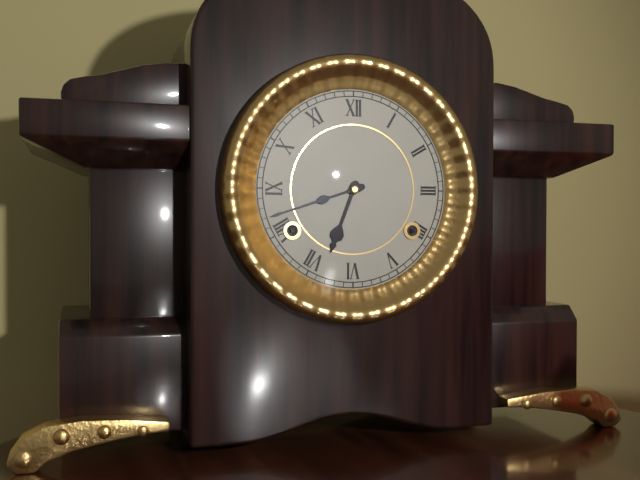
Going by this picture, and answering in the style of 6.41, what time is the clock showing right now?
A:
6.42
